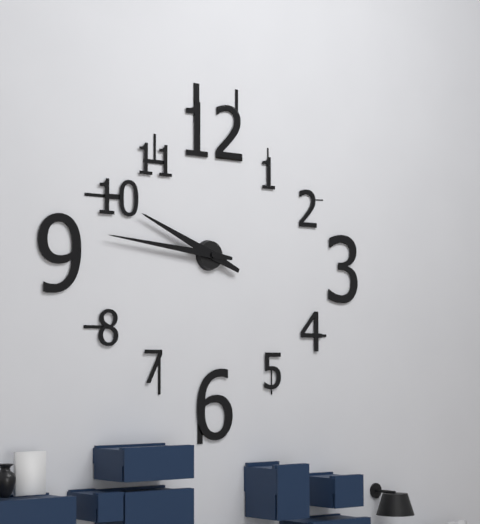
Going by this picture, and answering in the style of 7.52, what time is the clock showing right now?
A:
9.46
